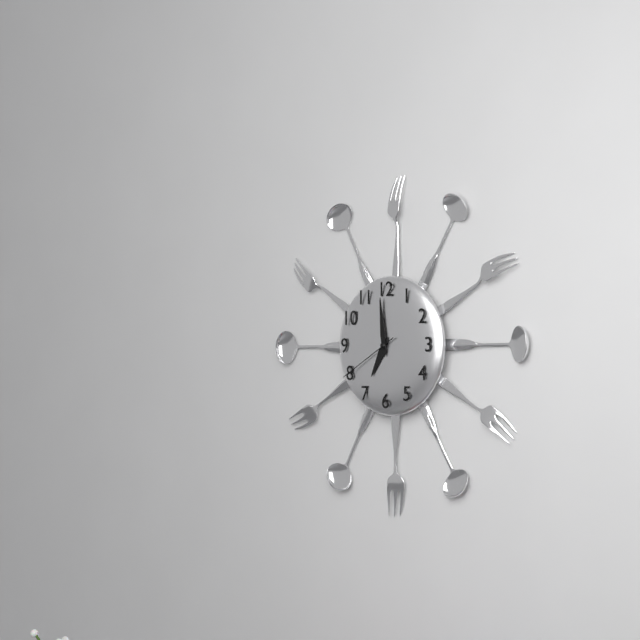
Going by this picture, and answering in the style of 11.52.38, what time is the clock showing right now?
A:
6.59.40
